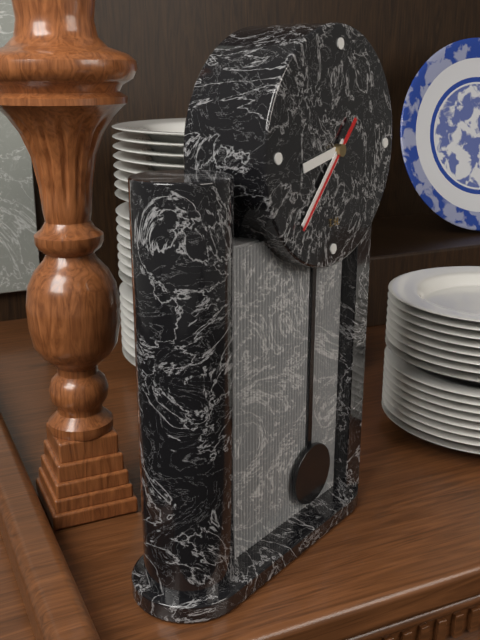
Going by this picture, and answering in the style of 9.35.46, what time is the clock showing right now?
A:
8.37.37
